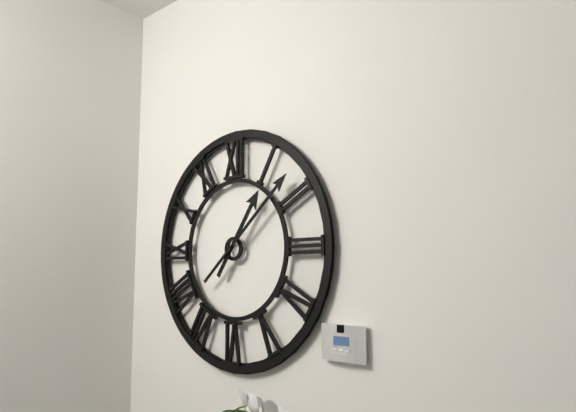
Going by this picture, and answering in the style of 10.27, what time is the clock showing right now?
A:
1.08
